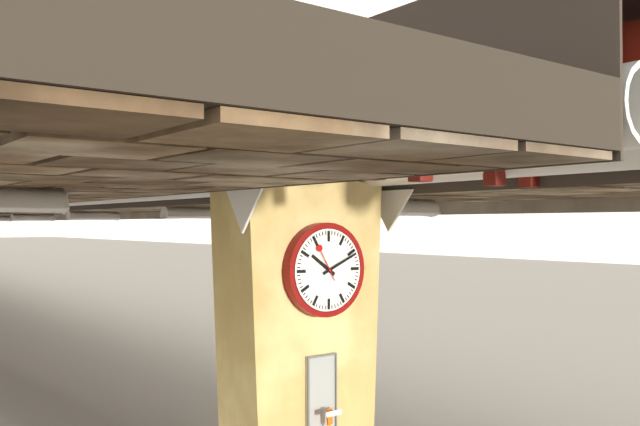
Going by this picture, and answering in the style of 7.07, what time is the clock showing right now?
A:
10.11
